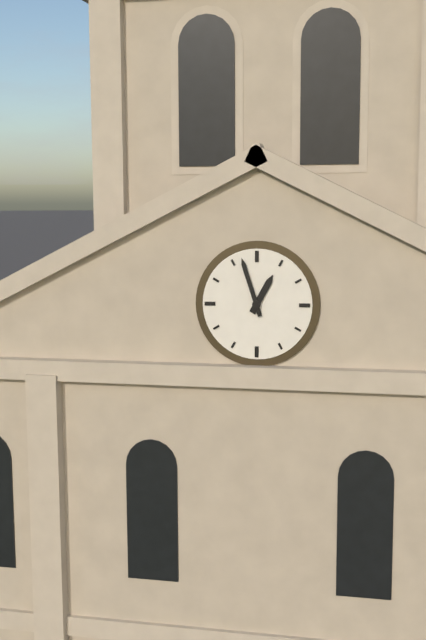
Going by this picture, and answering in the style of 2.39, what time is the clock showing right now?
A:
12.57
